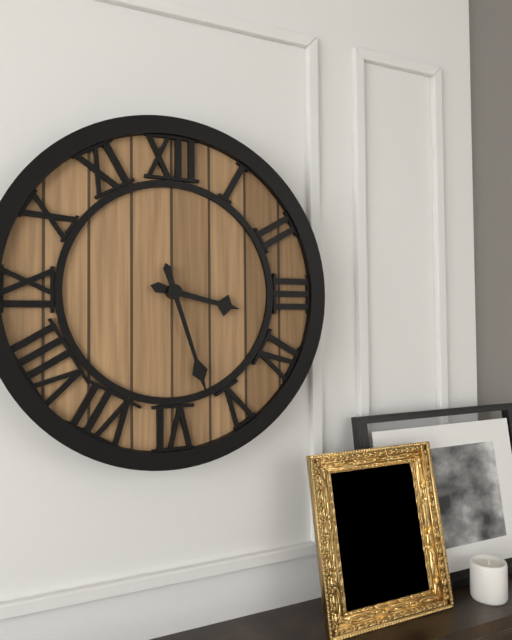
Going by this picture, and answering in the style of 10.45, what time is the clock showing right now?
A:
3.27
